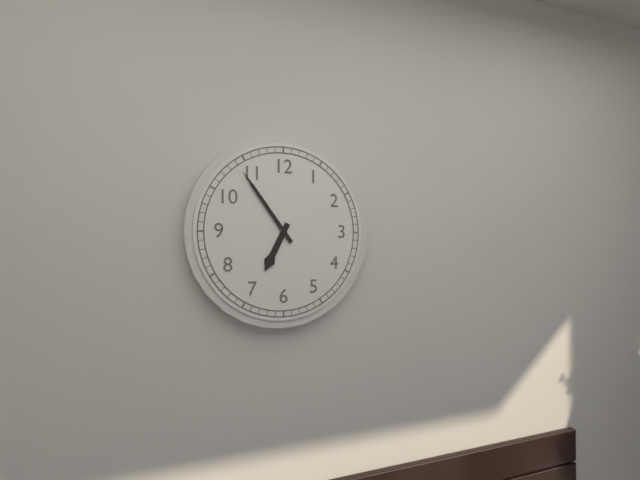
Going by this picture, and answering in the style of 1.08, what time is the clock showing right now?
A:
6.54
